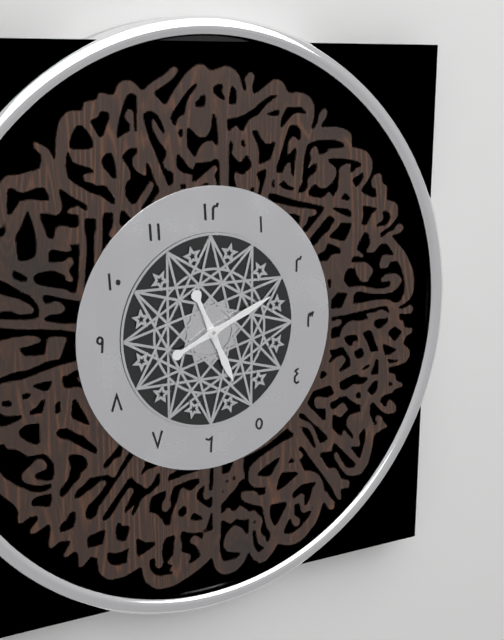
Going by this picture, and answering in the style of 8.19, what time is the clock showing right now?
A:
5.11
